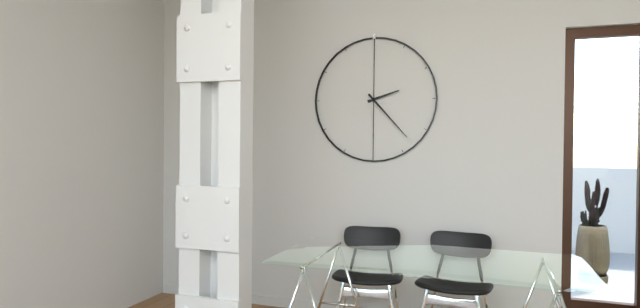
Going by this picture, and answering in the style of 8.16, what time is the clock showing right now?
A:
2.23
